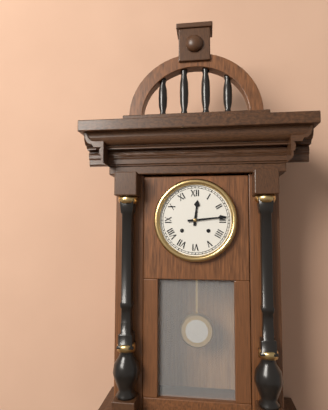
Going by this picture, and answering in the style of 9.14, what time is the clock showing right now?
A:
12.14
